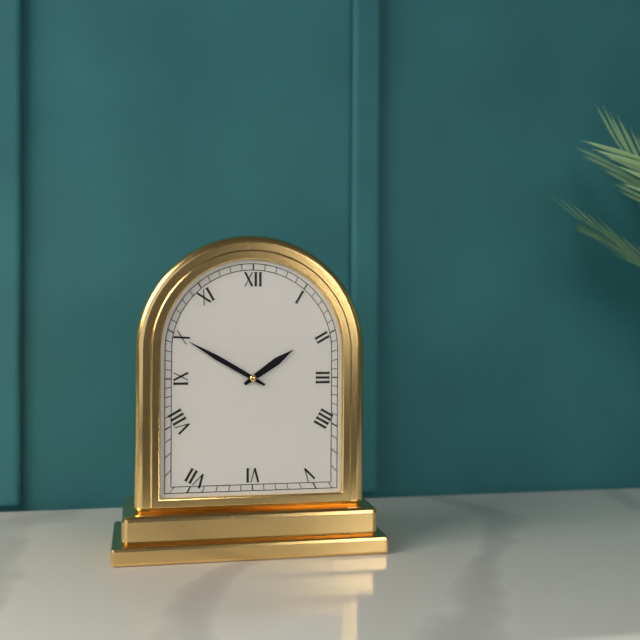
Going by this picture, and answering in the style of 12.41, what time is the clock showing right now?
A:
1.50
